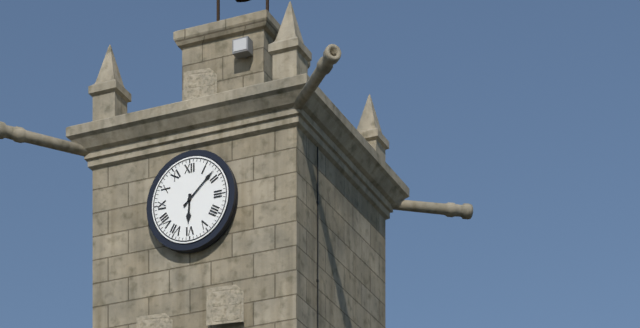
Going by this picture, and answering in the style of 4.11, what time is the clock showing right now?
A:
6.08
